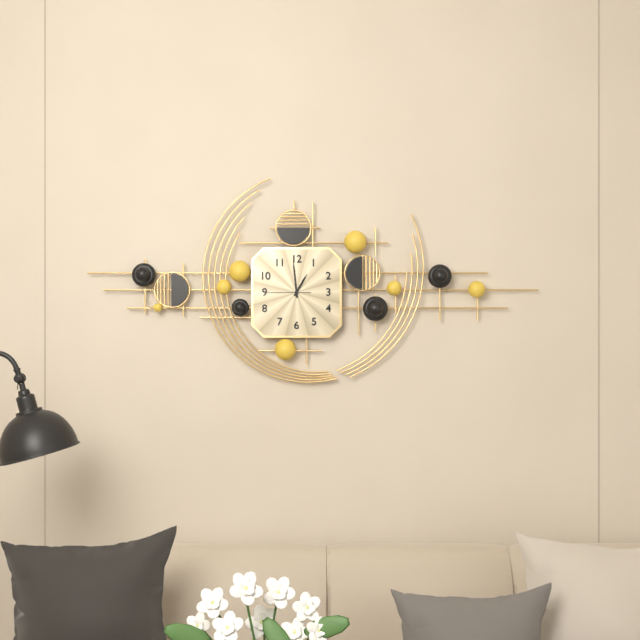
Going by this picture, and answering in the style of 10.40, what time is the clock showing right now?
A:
12.59
